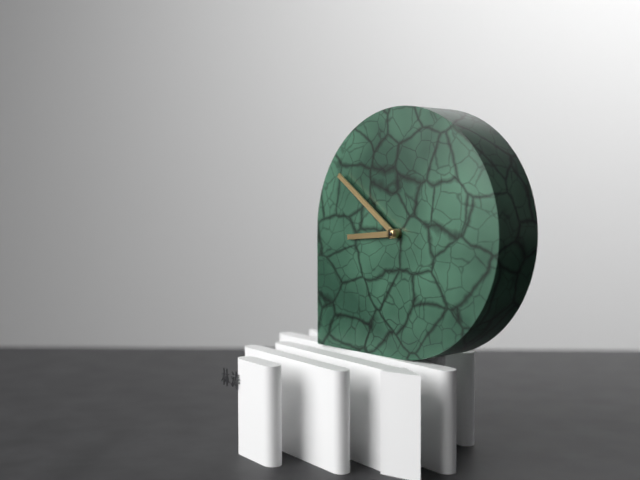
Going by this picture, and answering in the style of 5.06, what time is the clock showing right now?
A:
8.51
